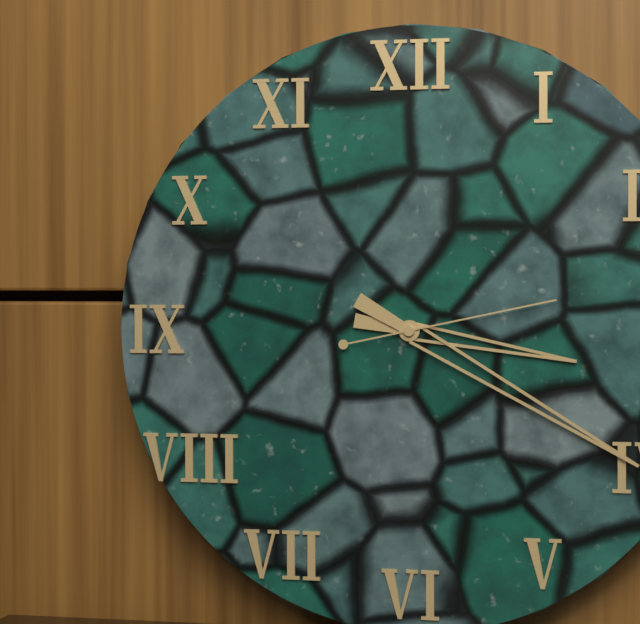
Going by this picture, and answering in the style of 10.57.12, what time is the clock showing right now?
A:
3.20.13
